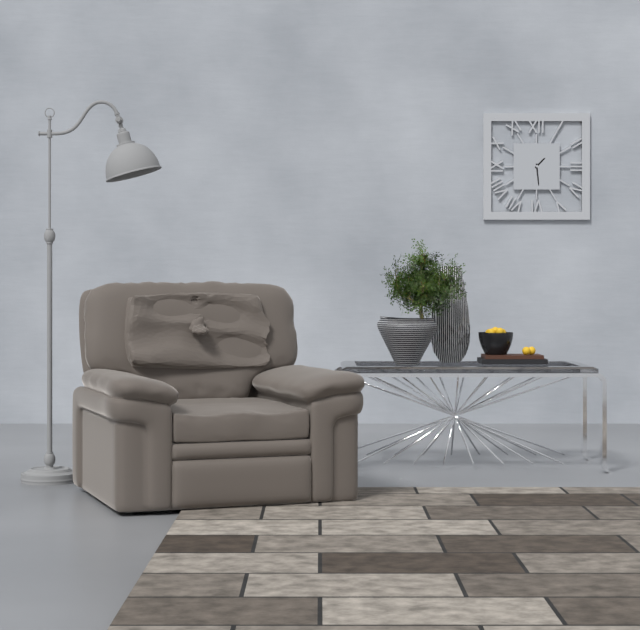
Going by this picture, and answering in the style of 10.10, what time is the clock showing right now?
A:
1.29
